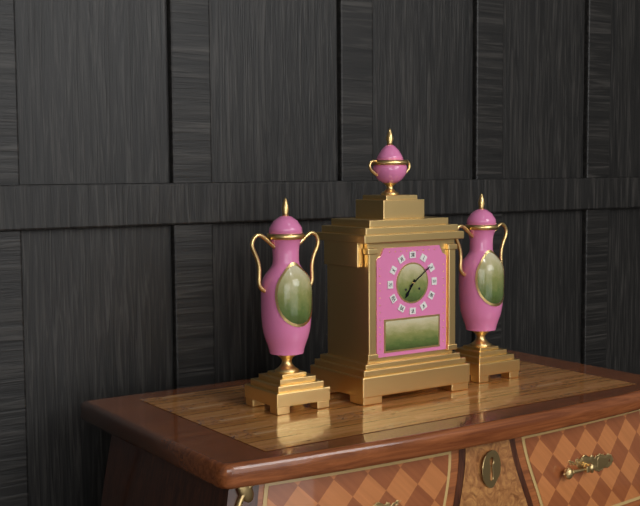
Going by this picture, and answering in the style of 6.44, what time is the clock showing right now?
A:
7.09
